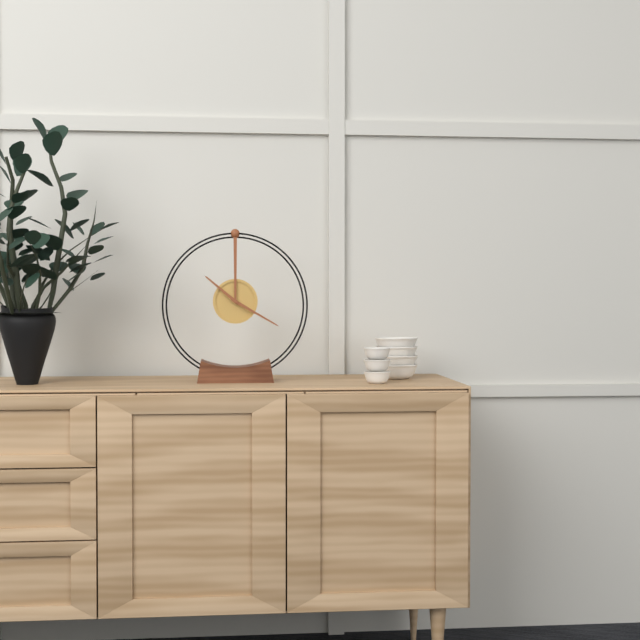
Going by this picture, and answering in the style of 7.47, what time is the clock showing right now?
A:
10.20
